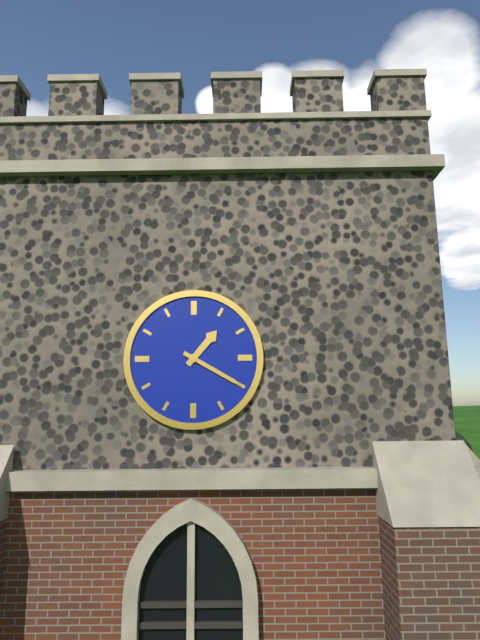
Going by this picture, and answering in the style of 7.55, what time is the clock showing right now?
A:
1.20
